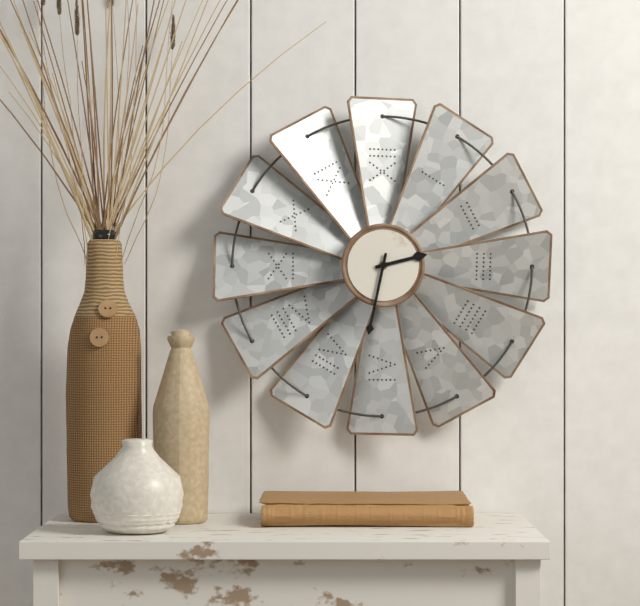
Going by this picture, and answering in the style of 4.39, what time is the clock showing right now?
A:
2.32
